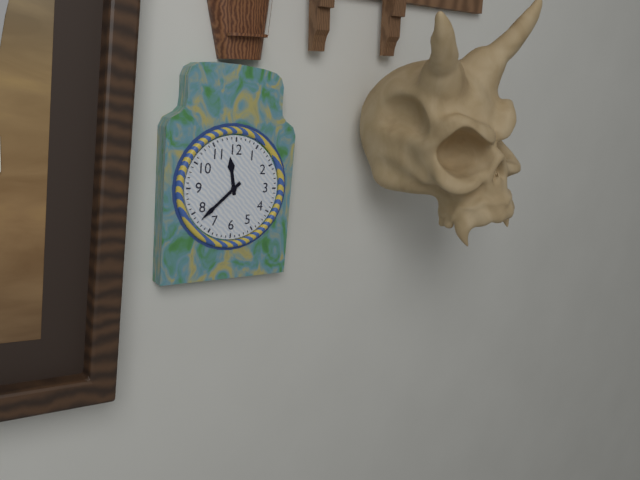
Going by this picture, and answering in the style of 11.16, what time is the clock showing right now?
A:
11.38
